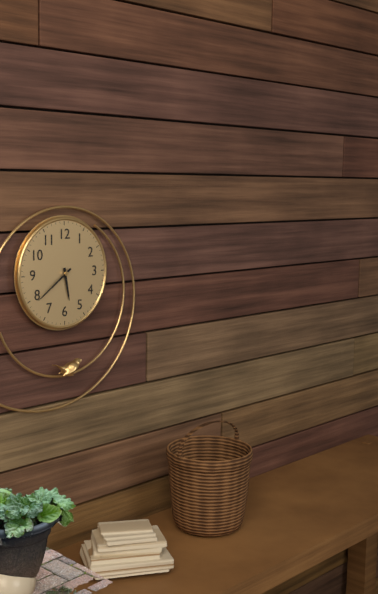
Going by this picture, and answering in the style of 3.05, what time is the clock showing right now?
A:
5.39
